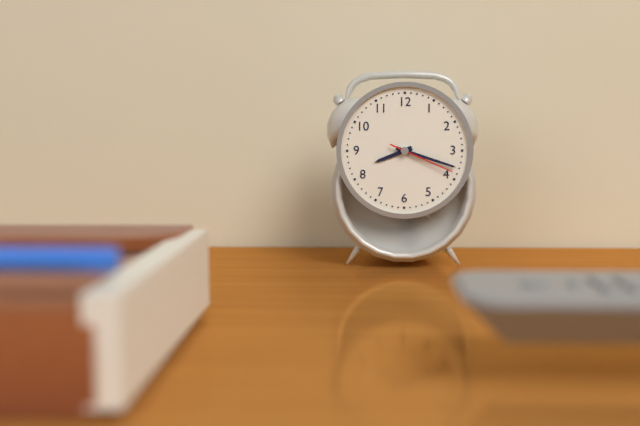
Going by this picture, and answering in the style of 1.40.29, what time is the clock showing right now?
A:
8.18.19
